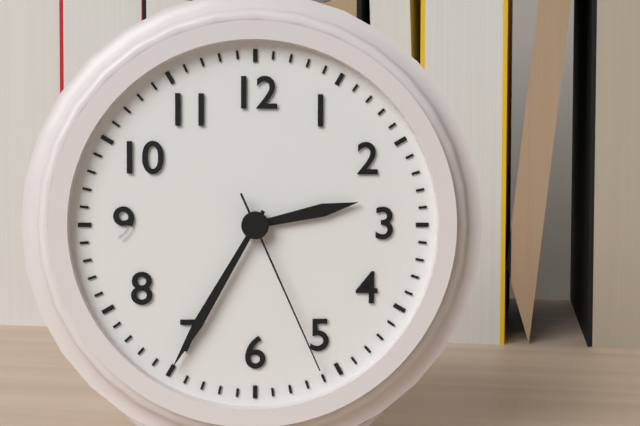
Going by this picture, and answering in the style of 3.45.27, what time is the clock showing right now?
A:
2.35.26
